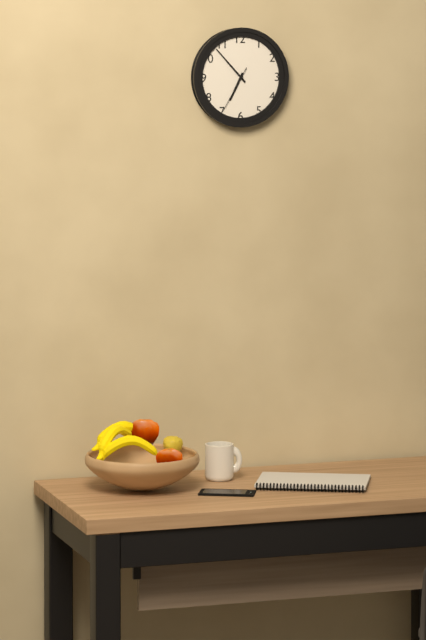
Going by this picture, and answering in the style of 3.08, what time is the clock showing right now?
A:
6.53
